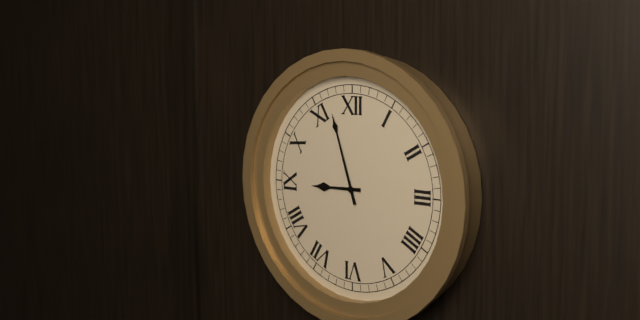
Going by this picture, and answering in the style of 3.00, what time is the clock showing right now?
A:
8.57
